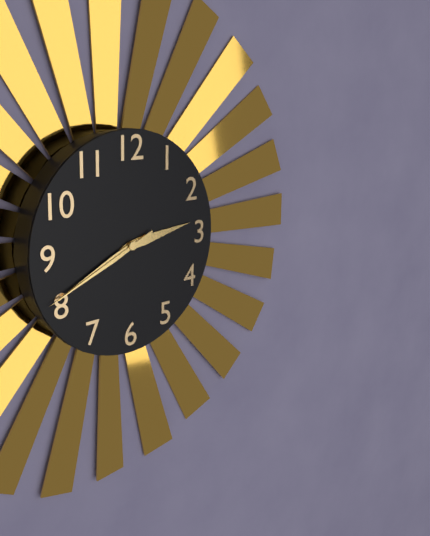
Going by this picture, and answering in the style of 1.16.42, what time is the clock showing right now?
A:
2.41.41
